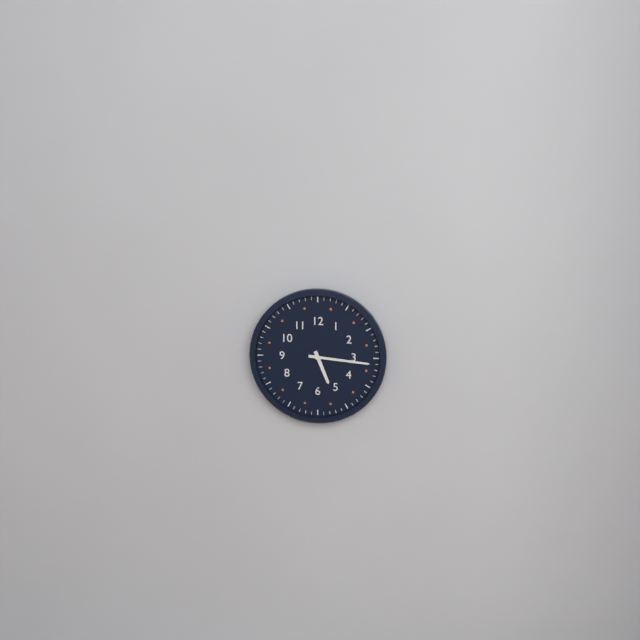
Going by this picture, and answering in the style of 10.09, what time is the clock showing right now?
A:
5.16
